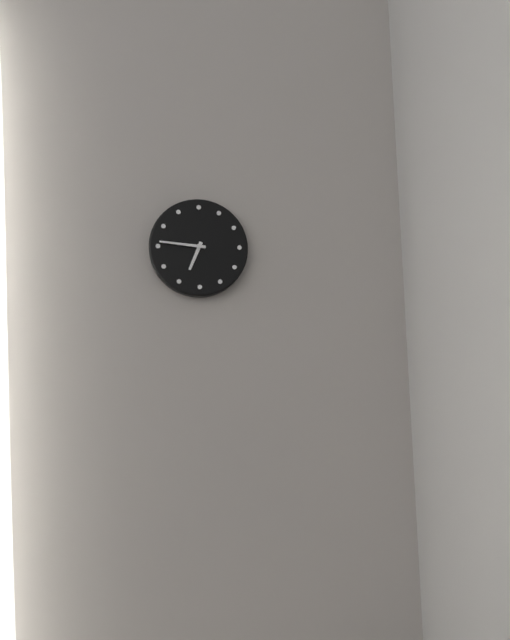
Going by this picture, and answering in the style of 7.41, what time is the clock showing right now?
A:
6.46
